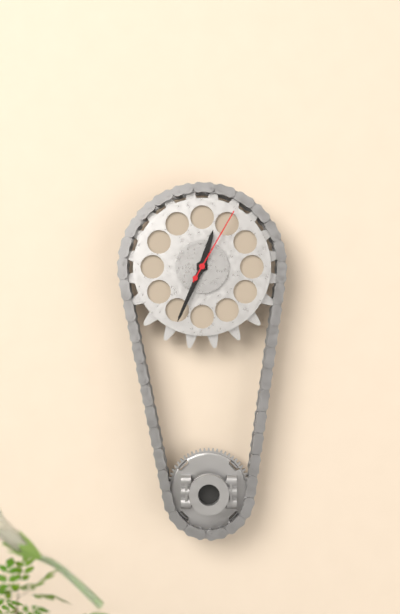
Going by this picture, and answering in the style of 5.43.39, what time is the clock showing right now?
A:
12.34.05
